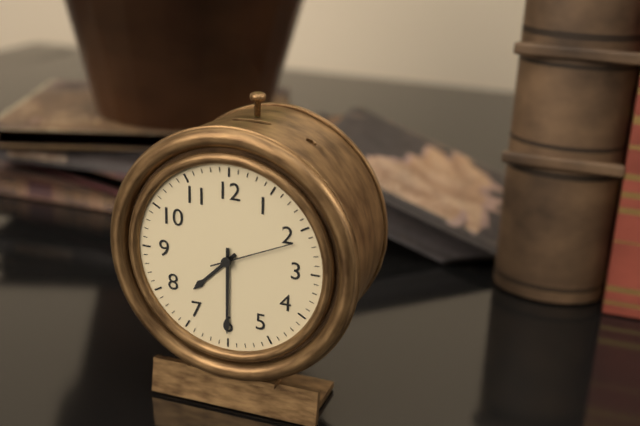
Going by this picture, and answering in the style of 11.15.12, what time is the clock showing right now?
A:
7.30.11
